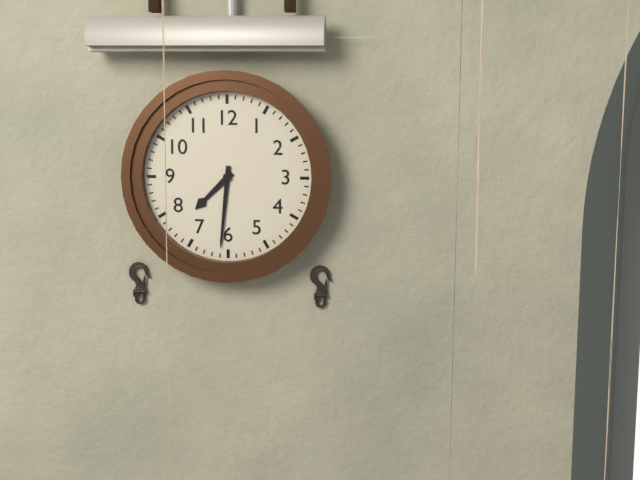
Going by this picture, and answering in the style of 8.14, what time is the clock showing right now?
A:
7.31
